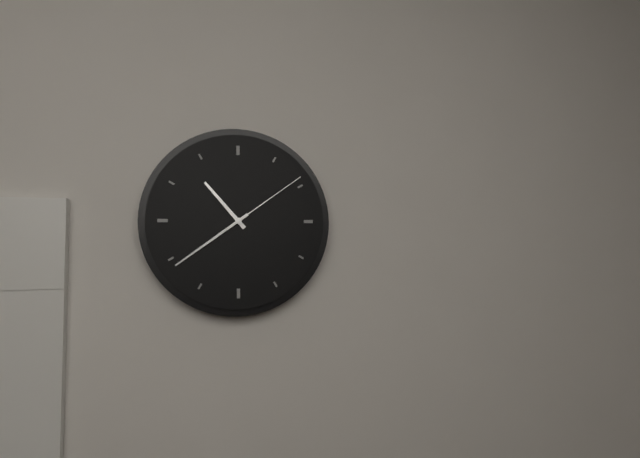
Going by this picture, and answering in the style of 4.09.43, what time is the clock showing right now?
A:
10.39.09
